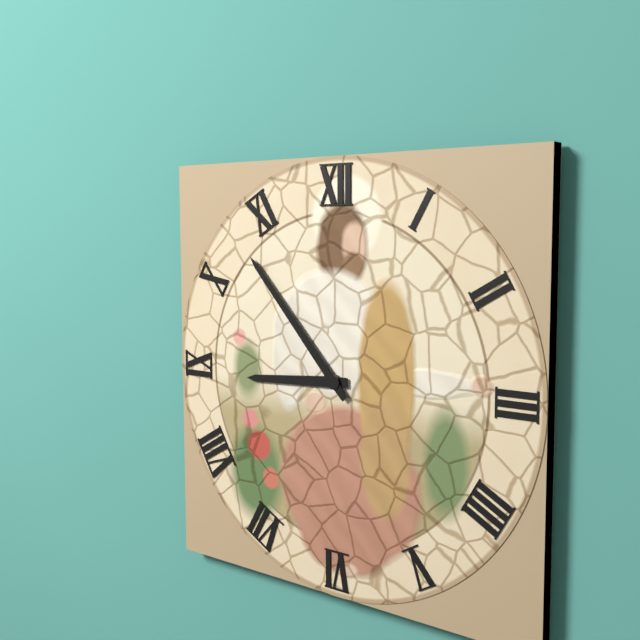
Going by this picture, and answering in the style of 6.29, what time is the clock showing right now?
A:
8.53
